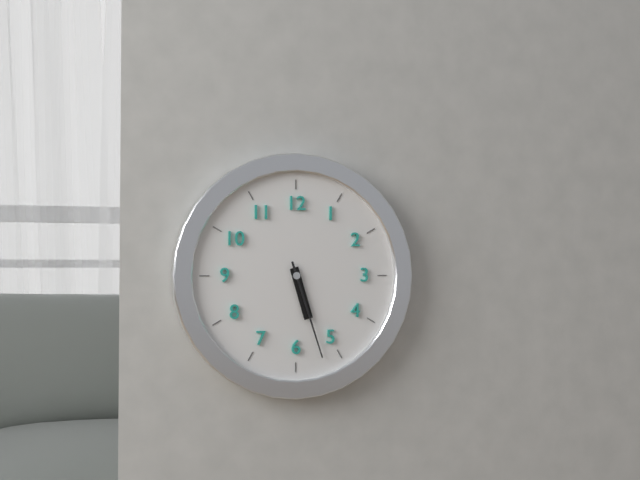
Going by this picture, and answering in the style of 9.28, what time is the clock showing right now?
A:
5.27
